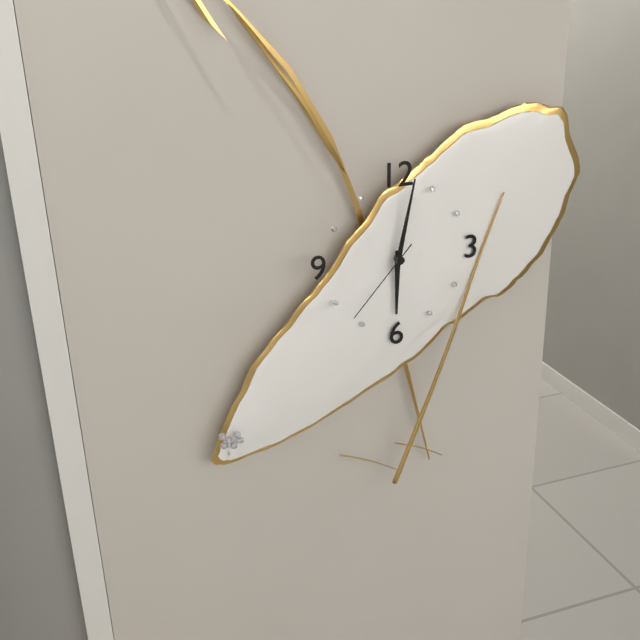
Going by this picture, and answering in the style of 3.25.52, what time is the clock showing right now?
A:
6.02.37
